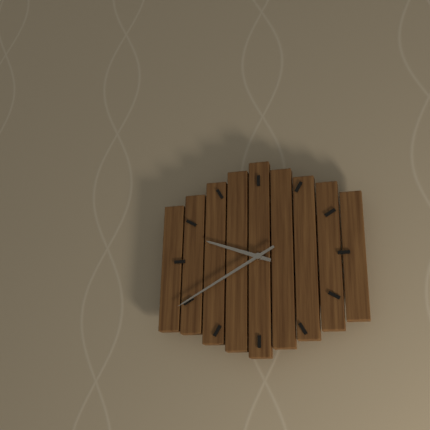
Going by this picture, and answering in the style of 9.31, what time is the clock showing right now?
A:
9.40
